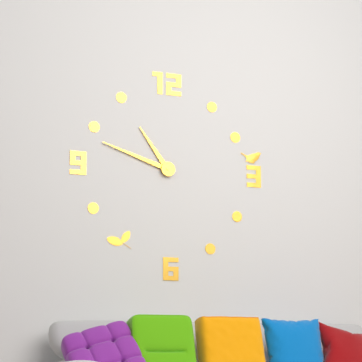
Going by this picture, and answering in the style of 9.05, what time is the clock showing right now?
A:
10.48
